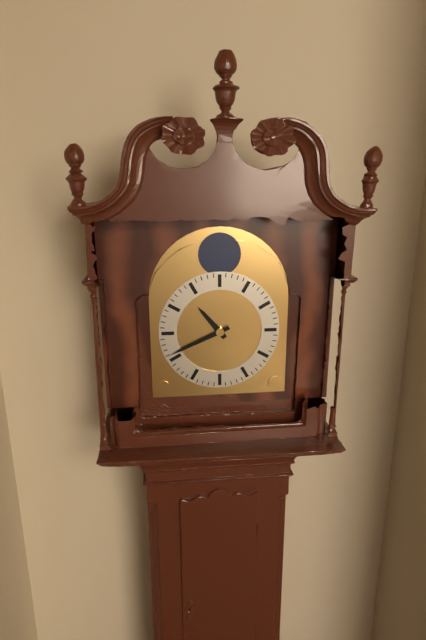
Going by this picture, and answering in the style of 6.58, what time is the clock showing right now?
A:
10.41
